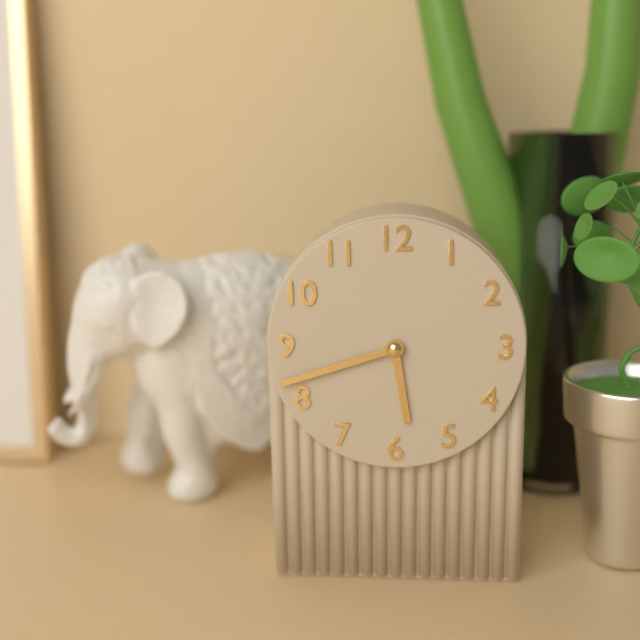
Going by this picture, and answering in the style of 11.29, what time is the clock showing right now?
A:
5.42
